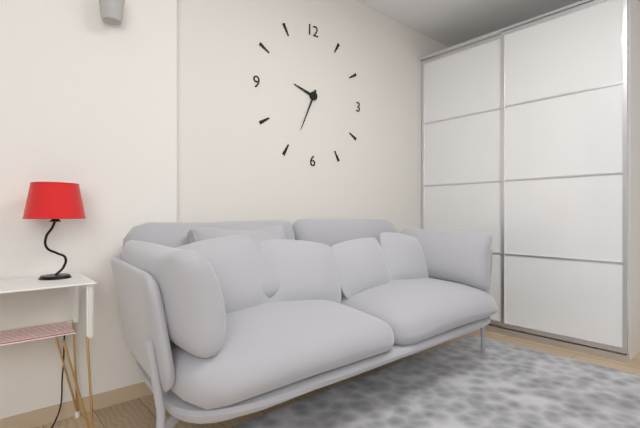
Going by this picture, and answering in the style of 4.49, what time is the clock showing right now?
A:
9.34
